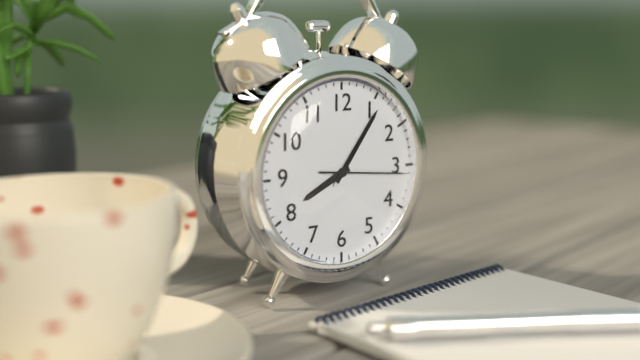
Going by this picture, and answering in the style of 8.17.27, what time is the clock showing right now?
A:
8.06.16
